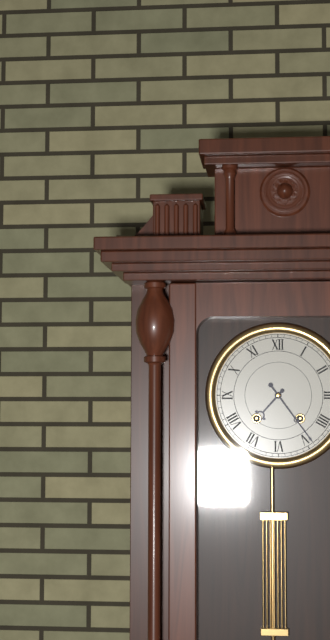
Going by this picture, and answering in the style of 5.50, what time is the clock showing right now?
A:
7.24
